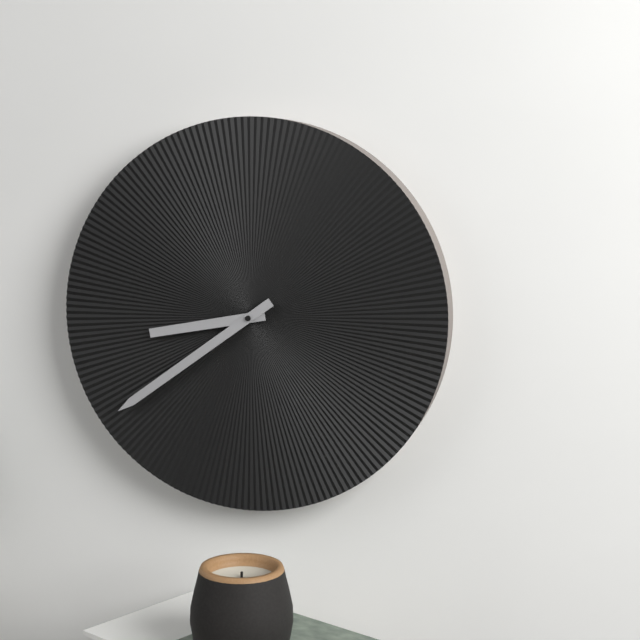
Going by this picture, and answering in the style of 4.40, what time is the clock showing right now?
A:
8.39
